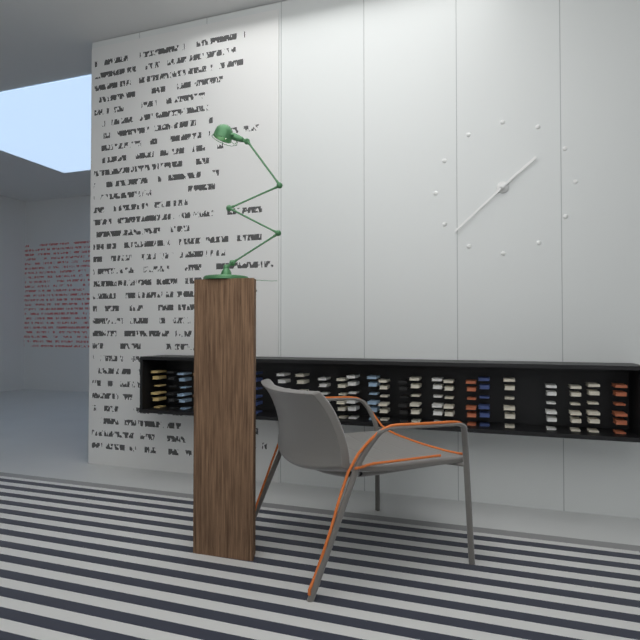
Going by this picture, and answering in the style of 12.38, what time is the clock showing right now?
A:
1.38
